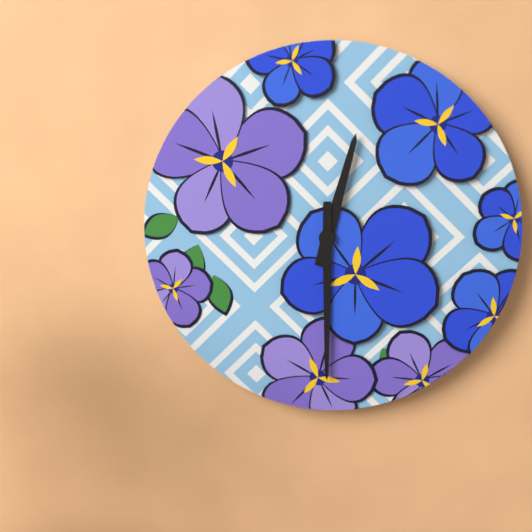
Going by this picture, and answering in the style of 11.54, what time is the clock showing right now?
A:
12.30
